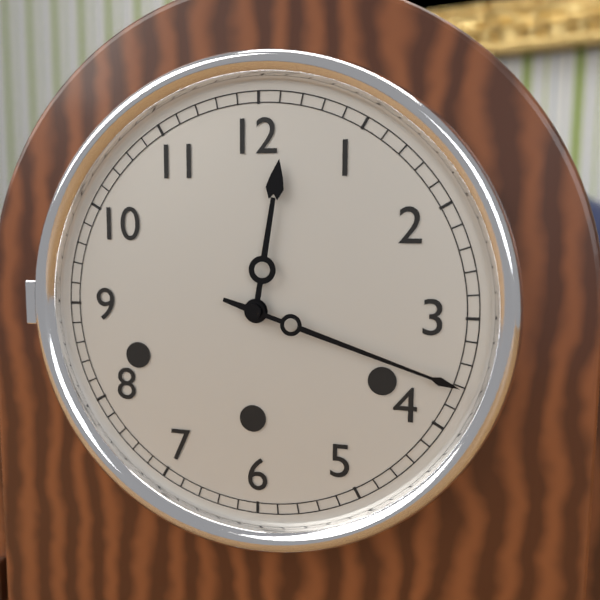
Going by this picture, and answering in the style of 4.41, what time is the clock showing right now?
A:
12.18
